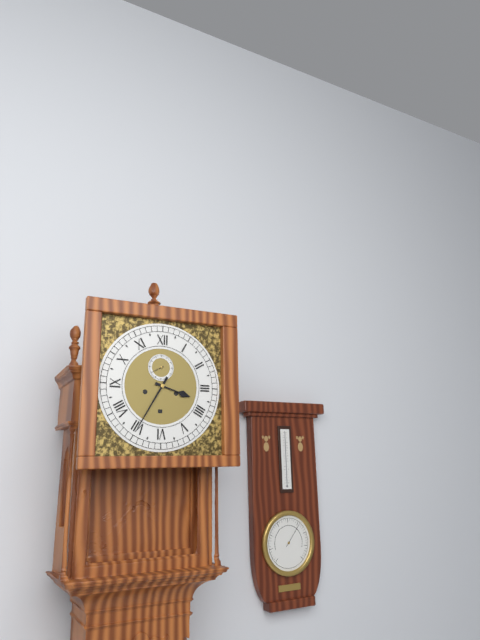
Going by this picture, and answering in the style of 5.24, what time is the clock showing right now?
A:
3.35
